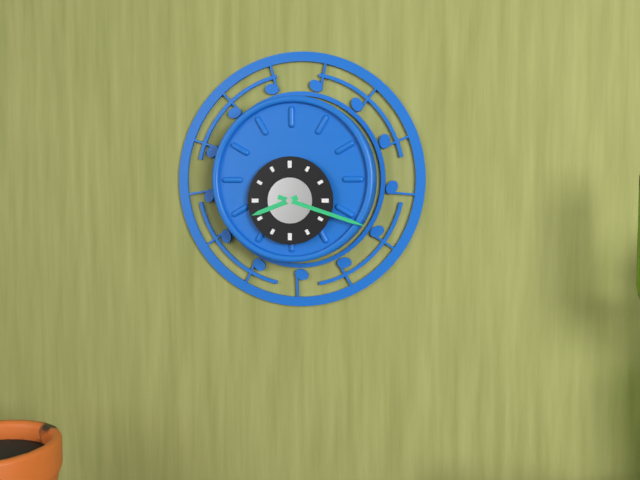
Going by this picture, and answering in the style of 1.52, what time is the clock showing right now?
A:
8.18
